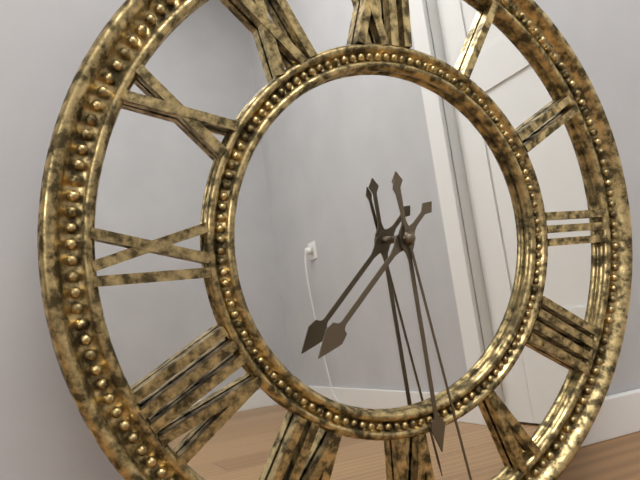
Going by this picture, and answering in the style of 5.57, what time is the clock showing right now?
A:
7.29
